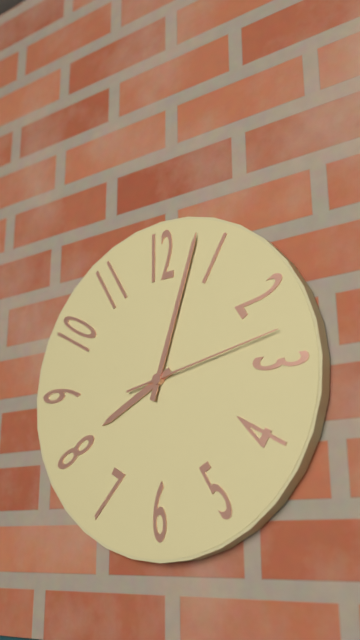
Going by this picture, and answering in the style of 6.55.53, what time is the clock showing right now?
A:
8.03.13
